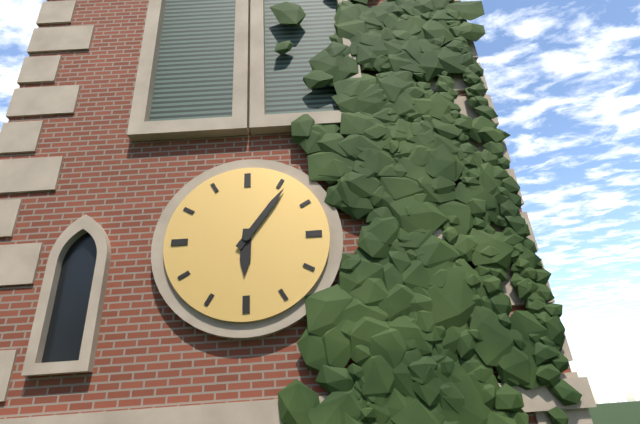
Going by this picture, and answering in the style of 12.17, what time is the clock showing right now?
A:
6.06
